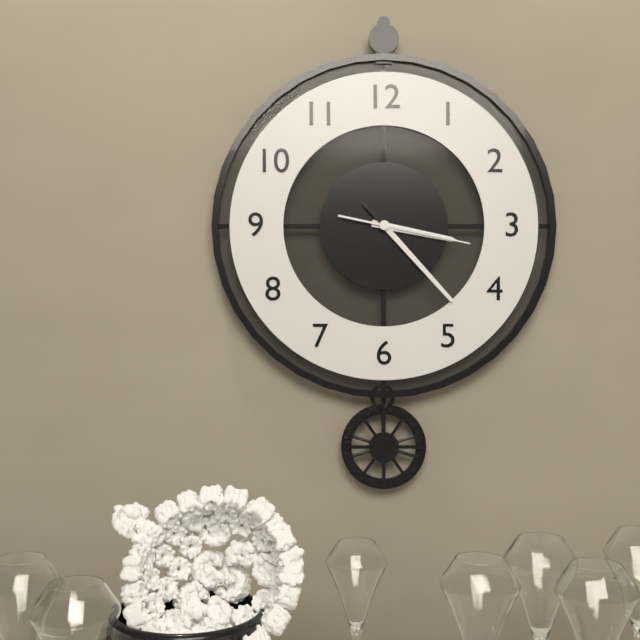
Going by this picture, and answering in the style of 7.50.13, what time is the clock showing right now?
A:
3.23.17
